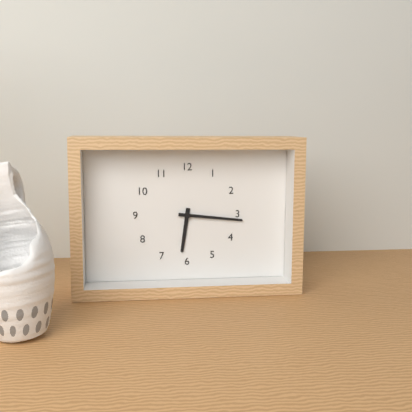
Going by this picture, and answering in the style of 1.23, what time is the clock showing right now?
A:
6.16
